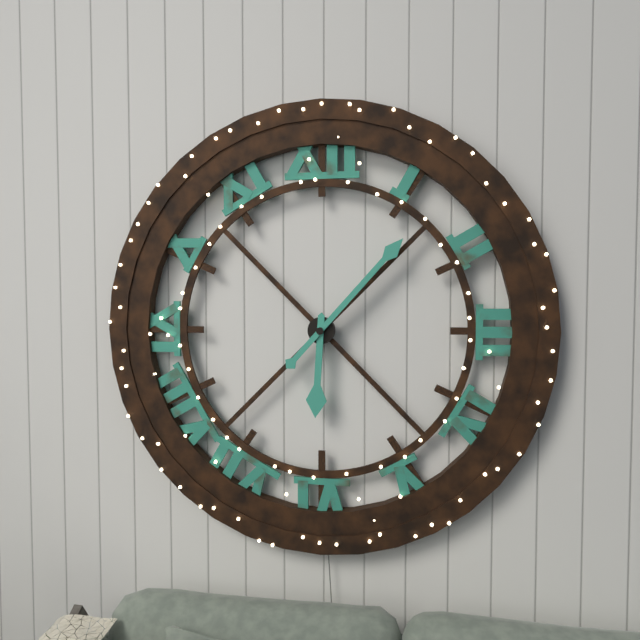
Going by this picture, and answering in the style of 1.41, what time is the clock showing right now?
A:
6.07
